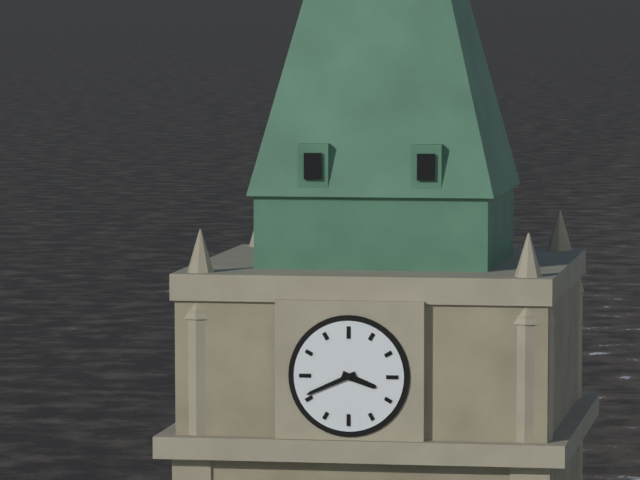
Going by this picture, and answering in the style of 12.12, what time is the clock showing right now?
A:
3.41
